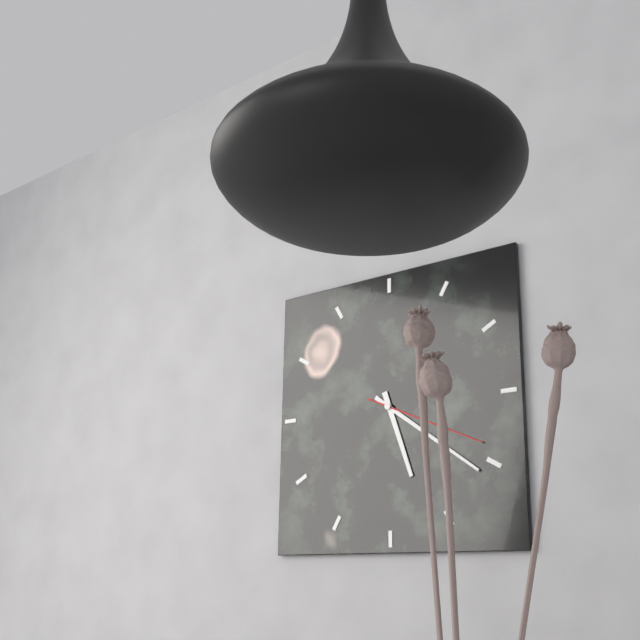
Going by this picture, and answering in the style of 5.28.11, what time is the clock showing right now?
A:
5.21.19
